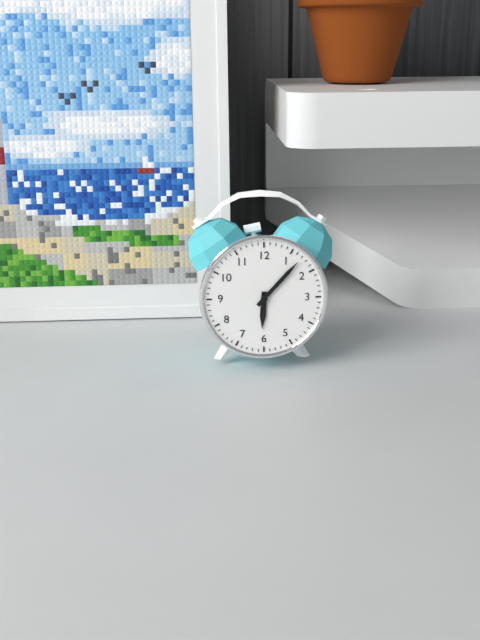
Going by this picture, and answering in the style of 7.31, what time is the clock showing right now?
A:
6.07
